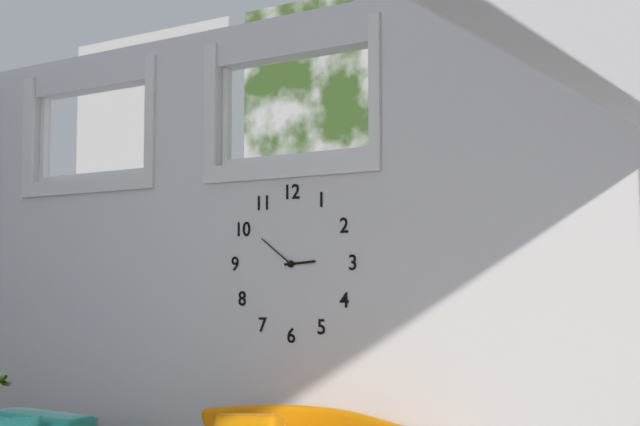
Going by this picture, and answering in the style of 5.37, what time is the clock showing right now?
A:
2.51
